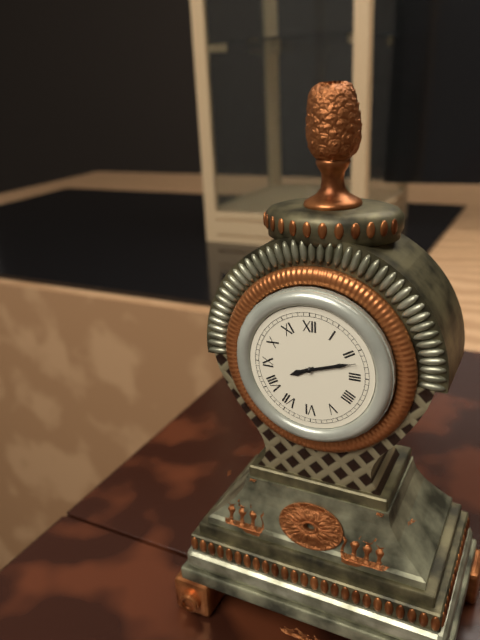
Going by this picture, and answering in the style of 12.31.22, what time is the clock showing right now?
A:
8.12.12
